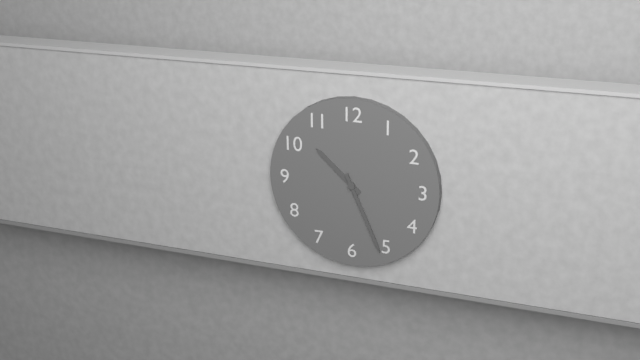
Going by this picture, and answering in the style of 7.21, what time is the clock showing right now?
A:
10.26
